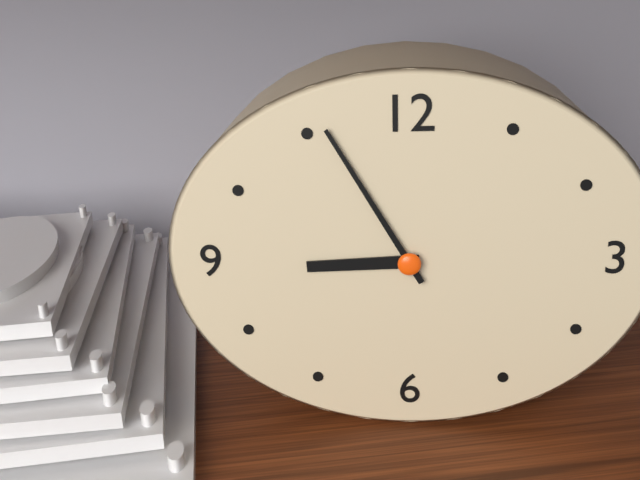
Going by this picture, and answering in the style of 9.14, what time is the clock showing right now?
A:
8.55
